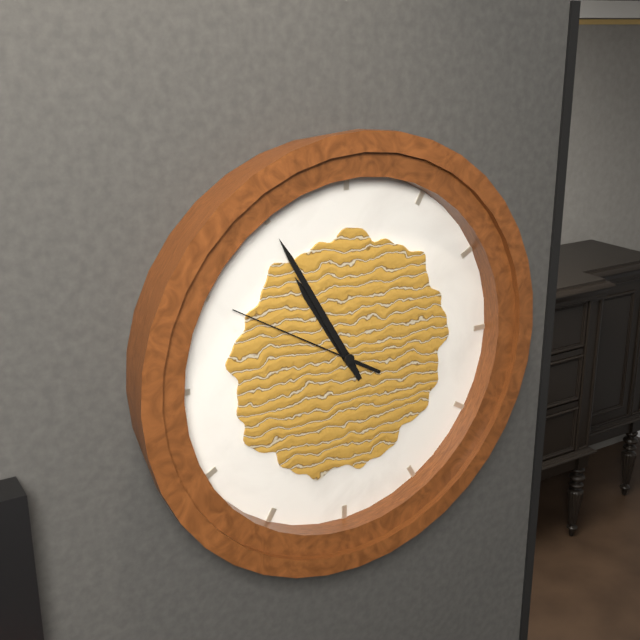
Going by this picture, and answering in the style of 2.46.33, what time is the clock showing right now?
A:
10.55.50
